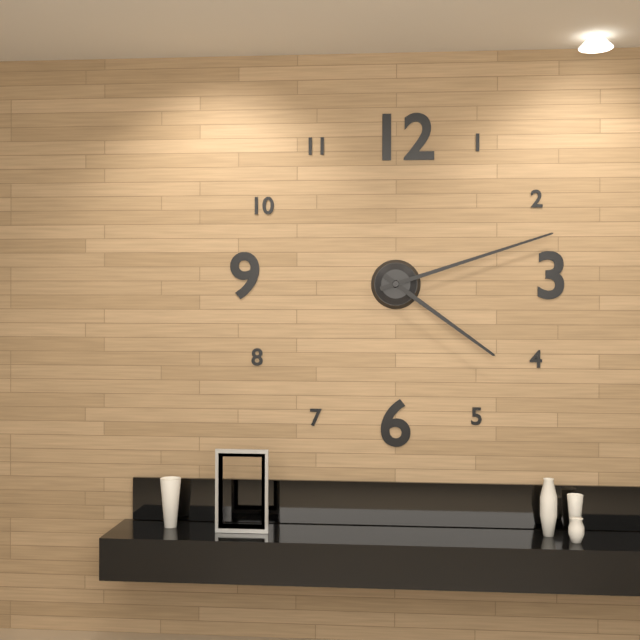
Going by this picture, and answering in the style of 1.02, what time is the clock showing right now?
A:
4.12
